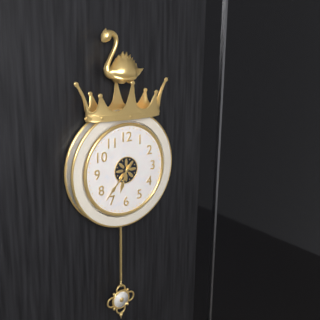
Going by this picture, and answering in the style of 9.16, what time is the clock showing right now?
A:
6.37
